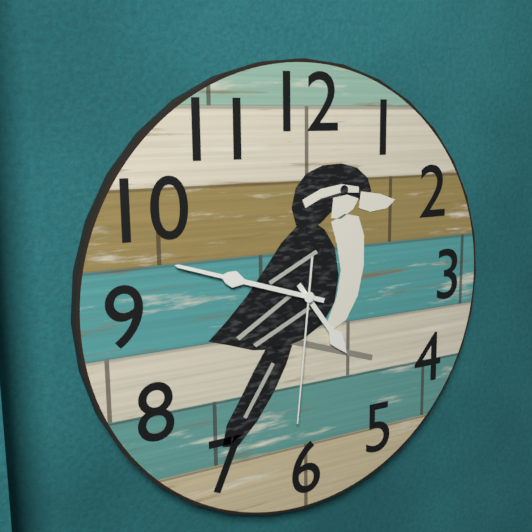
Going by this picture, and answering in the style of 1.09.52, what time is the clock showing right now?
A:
4.48.31
